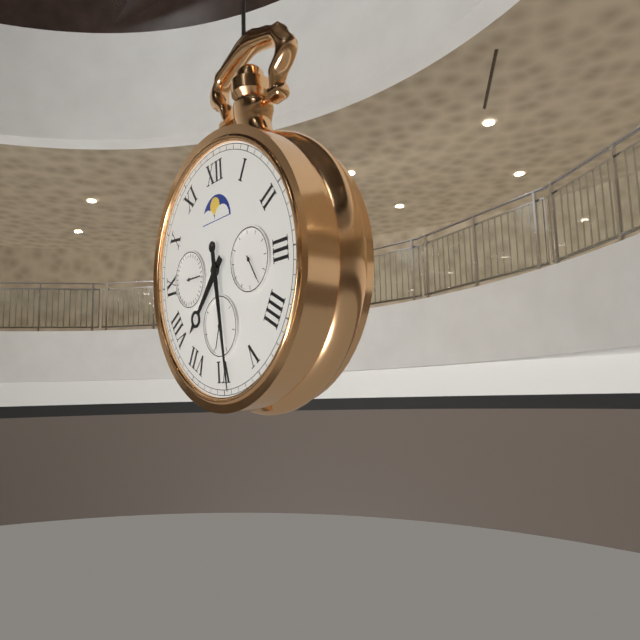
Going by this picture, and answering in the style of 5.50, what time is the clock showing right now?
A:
7.29
